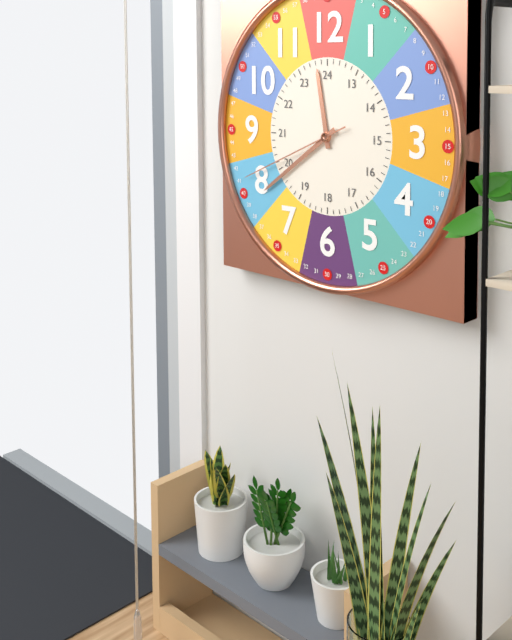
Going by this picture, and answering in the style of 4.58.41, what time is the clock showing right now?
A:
11.39.41
